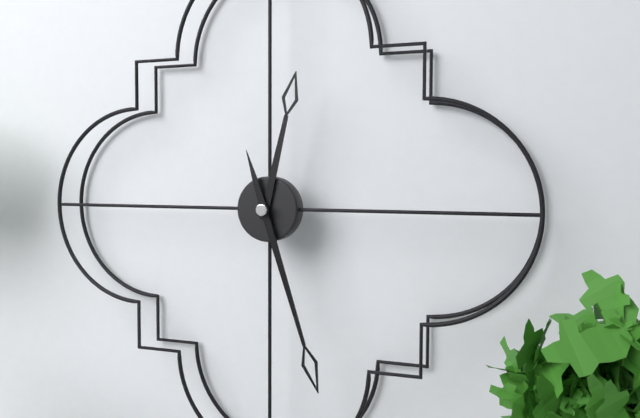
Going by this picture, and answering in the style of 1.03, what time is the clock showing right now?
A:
12.27
